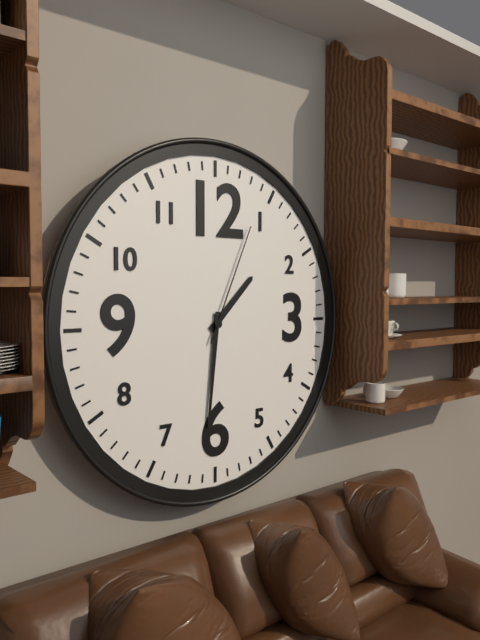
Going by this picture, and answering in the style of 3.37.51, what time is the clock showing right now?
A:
1.31.04
